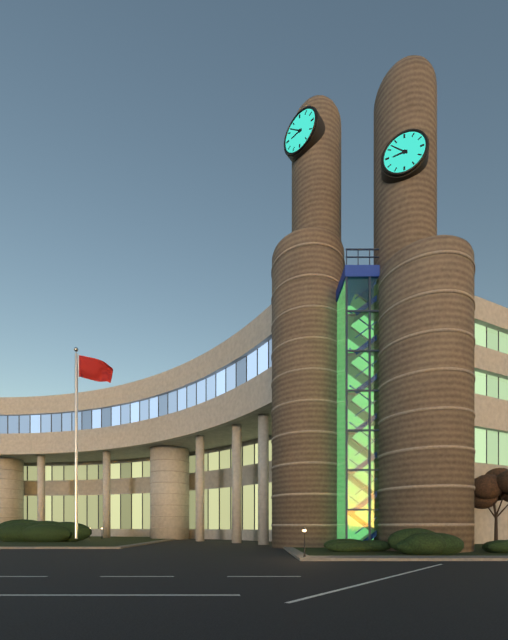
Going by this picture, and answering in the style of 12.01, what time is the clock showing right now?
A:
8.52
